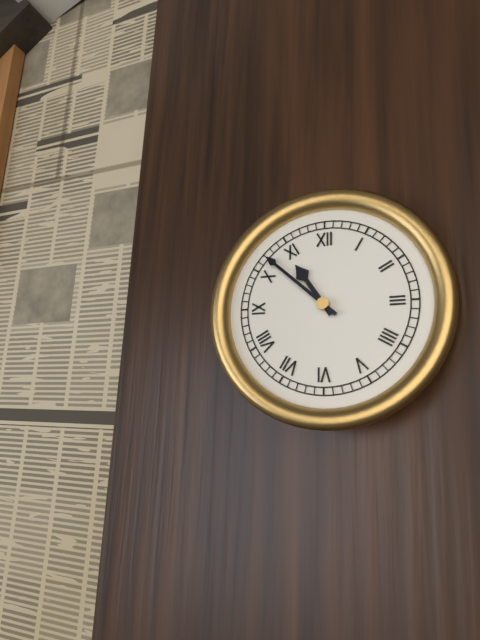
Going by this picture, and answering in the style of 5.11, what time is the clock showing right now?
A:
10.52
